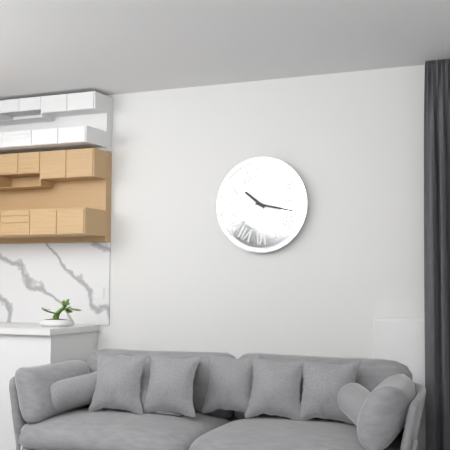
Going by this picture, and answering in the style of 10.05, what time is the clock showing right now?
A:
10.17
